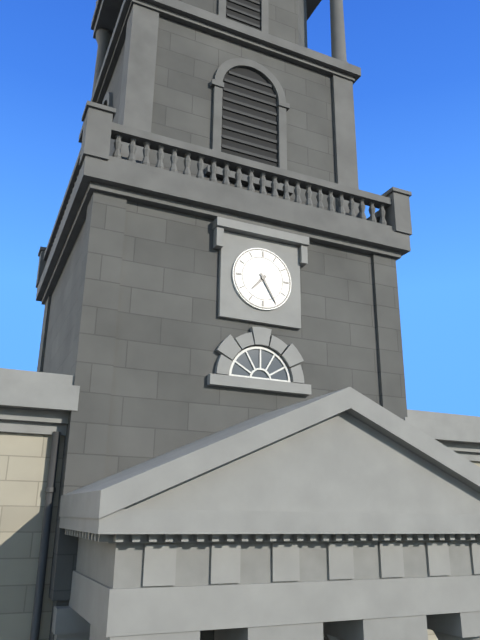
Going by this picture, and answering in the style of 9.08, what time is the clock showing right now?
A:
7.25
